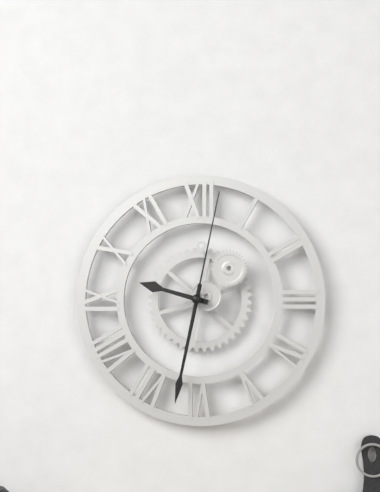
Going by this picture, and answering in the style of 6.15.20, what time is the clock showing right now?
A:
9.32.02
